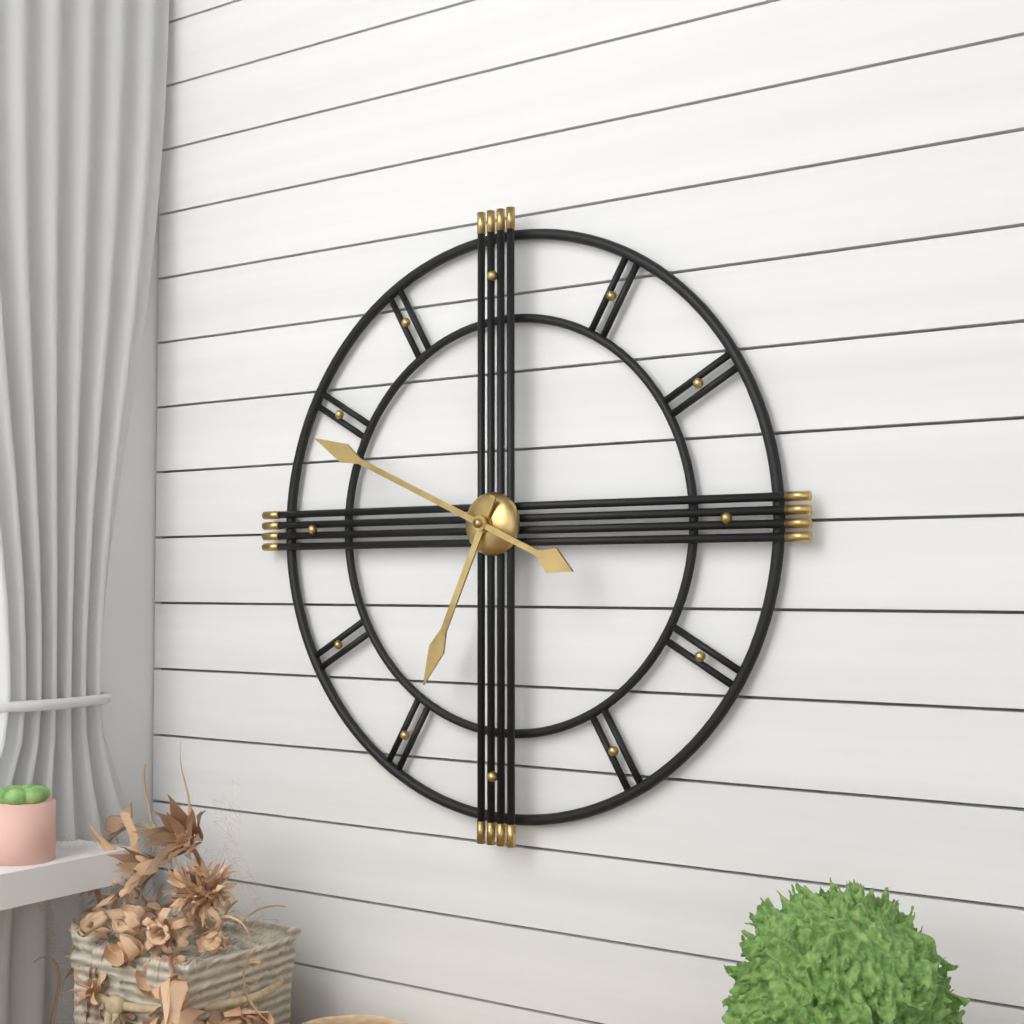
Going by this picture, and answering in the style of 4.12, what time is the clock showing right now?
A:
6.49
